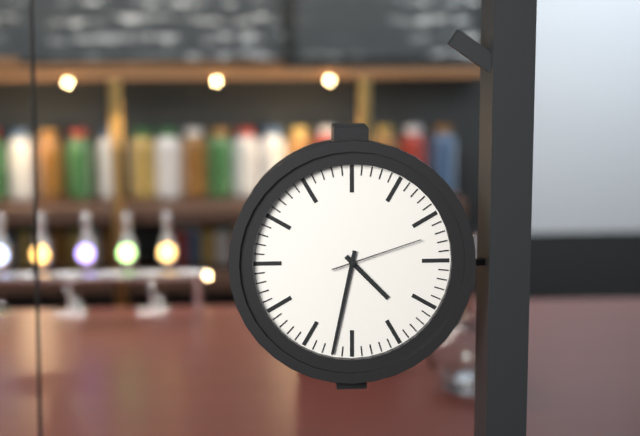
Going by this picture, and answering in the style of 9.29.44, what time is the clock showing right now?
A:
4.32.12
